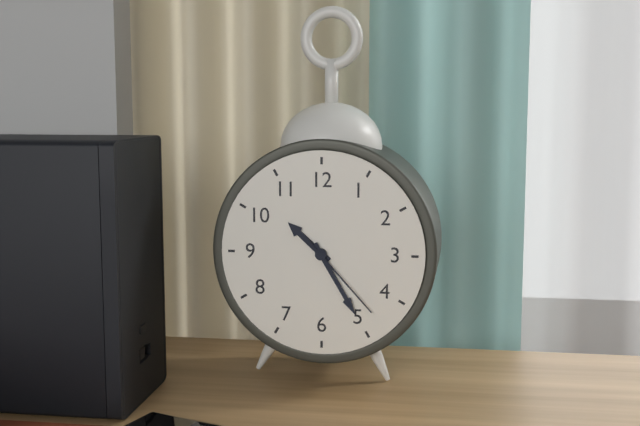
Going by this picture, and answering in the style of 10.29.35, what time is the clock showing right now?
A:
10.25.23
